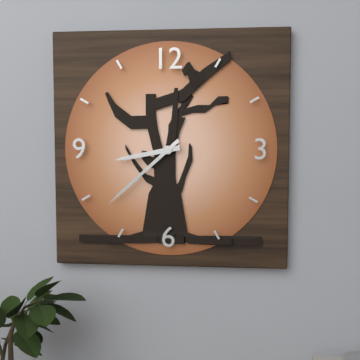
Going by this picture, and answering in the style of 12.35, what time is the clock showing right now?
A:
8.38
